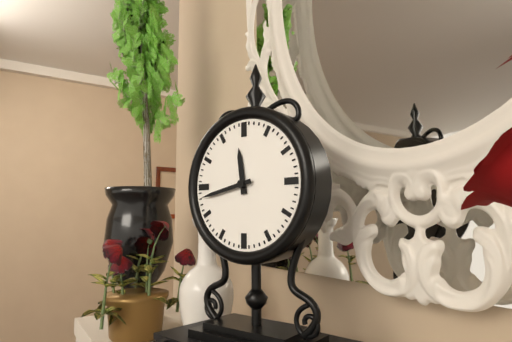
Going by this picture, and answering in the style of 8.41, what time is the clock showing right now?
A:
11.43
